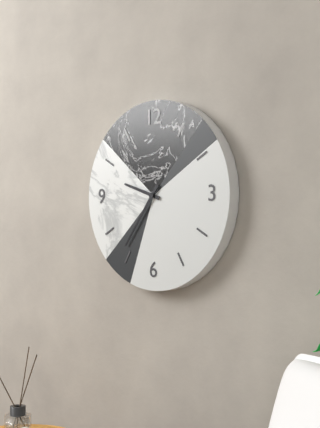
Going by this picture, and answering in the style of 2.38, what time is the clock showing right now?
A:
9.36
